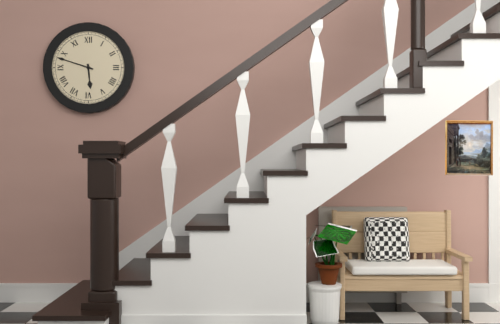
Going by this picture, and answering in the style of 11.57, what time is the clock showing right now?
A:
5.48
